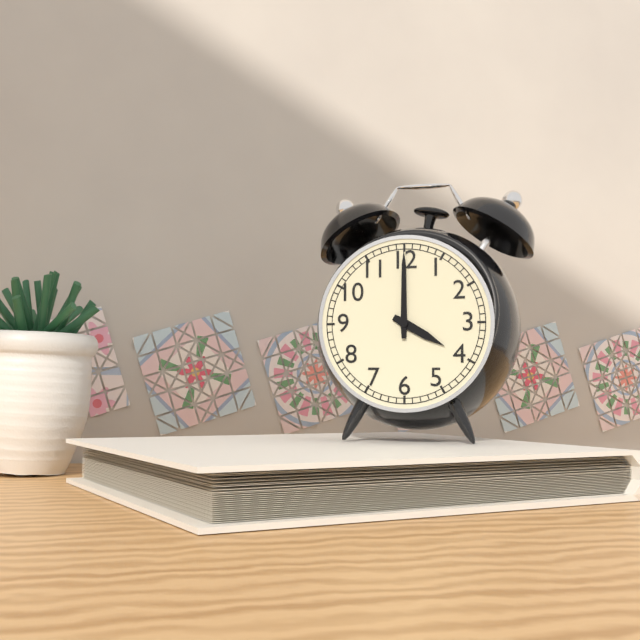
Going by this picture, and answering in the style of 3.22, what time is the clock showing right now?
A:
4.00
